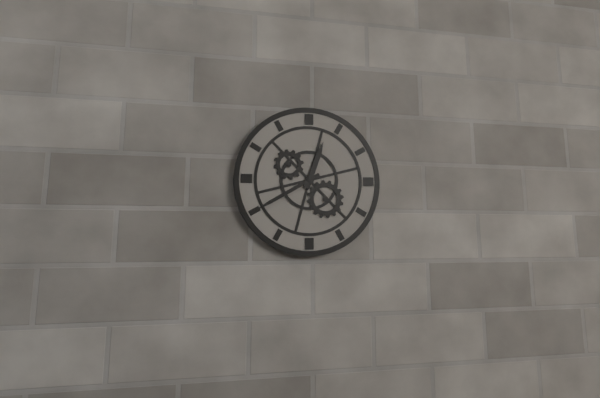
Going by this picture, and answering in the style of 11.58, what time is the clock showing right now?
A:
12.40
